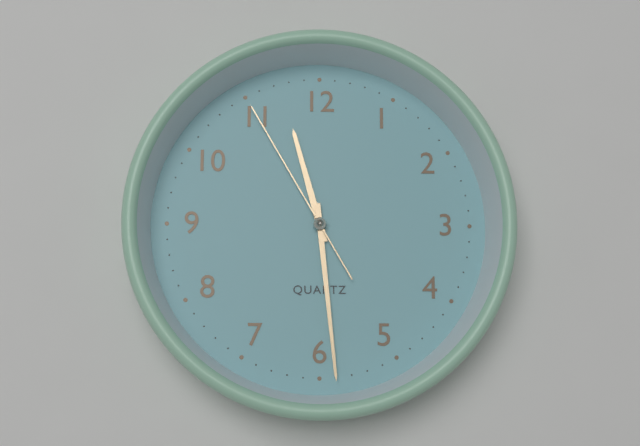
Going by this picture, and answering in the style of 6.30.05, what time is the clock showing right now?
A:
11.29.55
